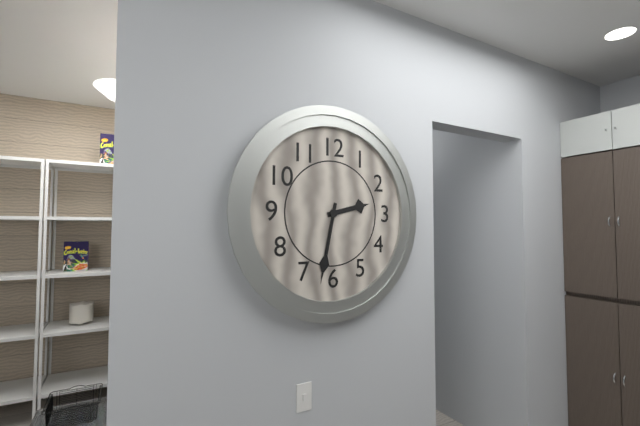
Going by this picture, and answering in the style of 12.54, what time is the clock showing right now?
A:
2.32
